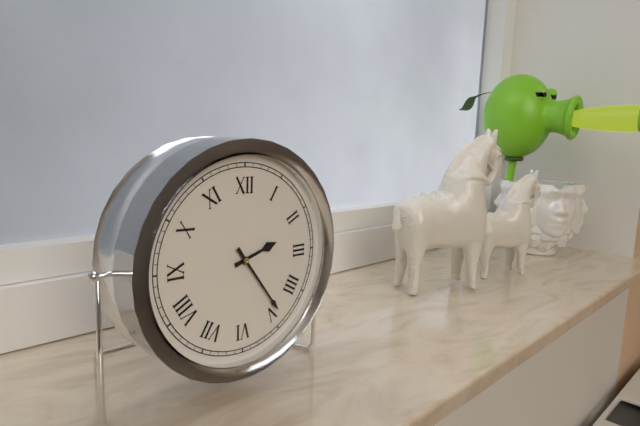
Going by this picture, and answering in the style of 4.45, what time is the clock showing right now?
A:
2.24
